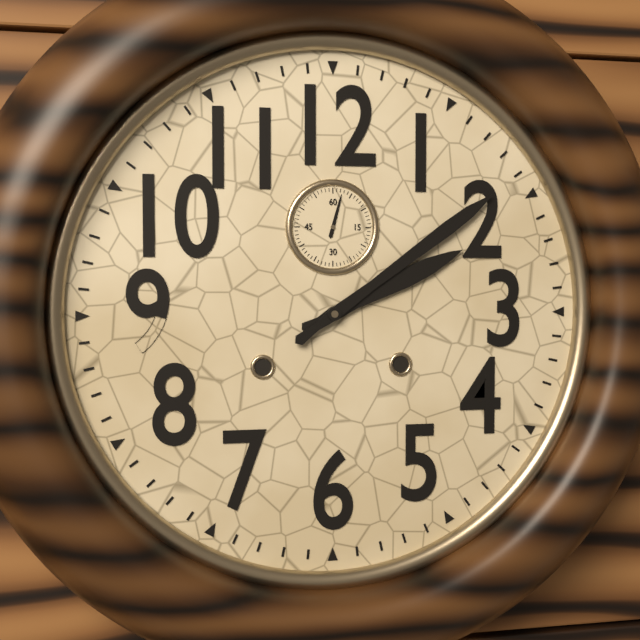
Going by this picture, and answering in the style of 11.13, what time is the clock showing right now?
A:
2.09
